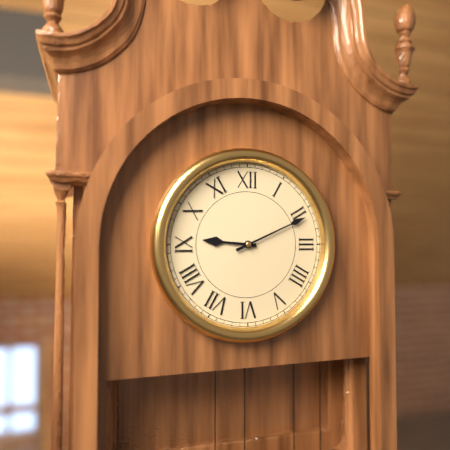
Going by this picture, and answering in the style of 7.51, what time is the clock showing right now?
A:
9.11
